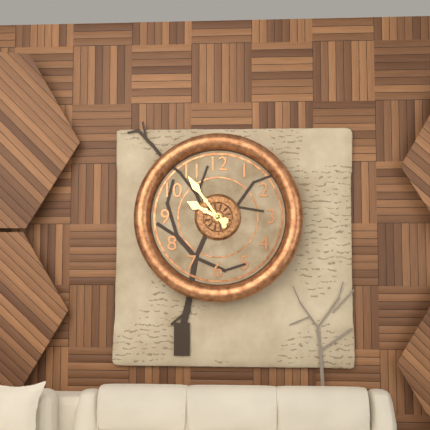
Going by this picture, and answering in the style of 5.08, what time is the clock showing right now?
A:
9.54
